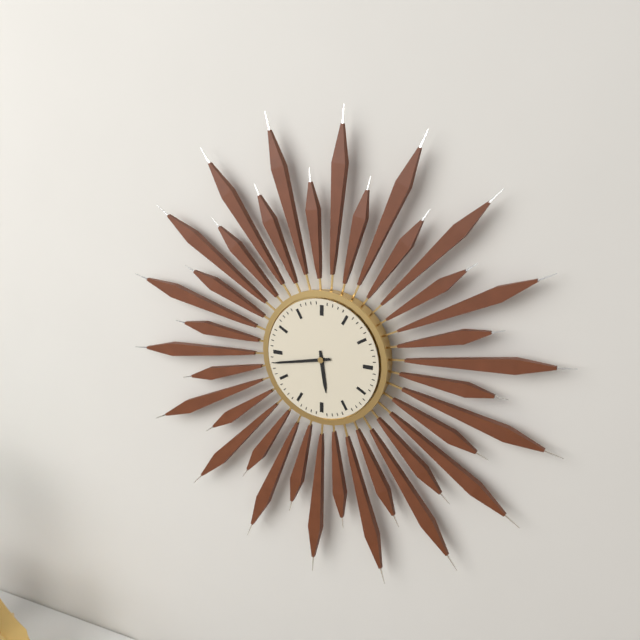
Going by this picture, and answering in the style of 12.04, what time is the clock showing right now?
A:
5.43
